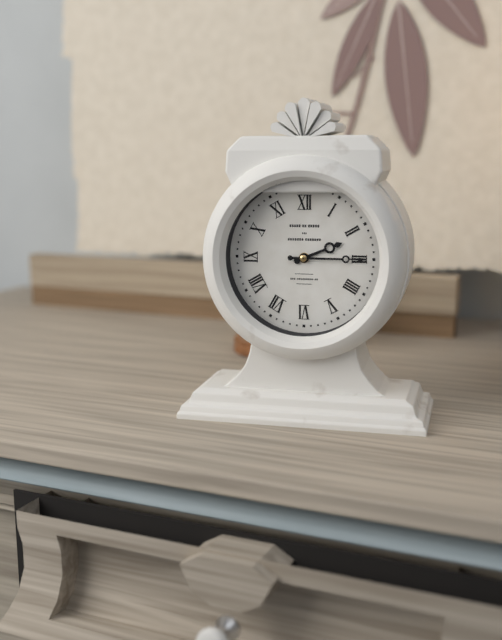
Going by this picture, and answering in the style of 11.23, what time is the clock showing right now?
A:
2.15
